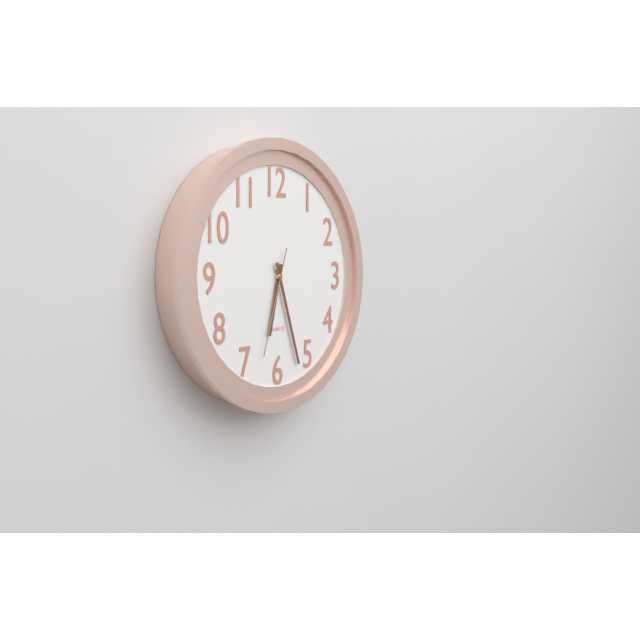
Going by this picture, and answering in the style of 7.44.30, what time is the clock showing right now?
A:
6.27.33
